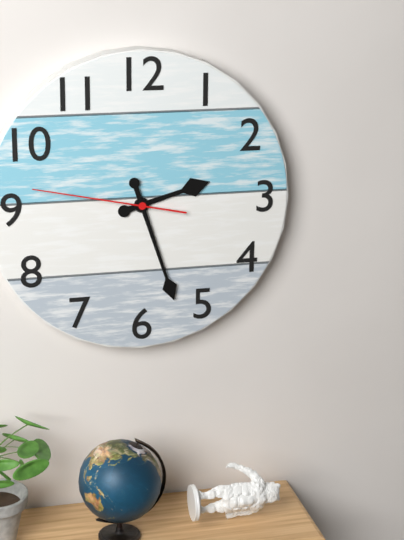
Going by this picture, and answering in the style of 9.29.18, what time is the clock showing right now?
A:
2.27.47
